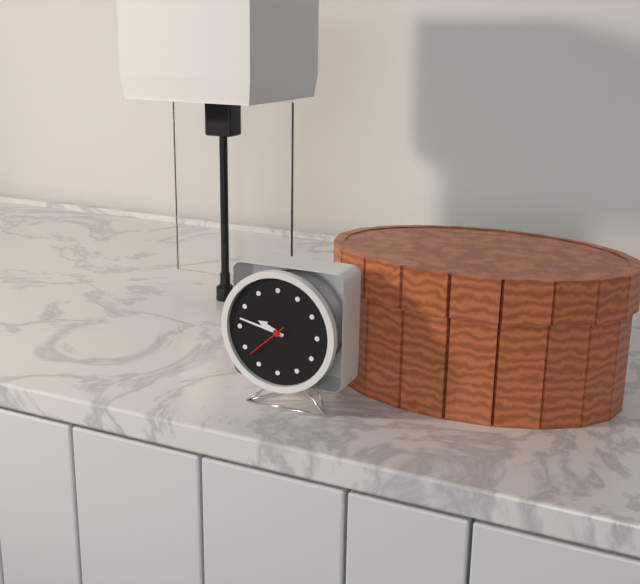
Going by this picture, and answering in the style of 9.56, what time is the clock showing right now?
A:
9.47
